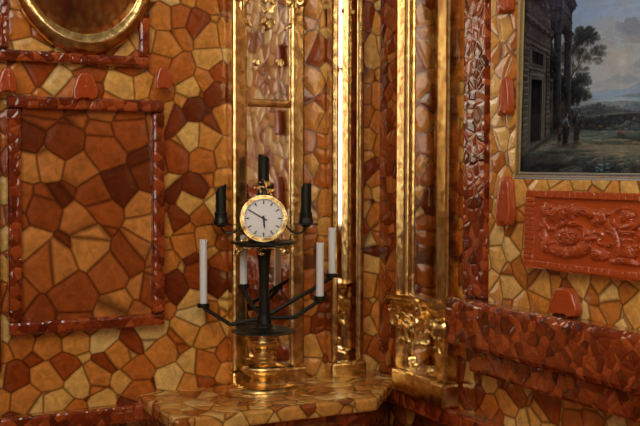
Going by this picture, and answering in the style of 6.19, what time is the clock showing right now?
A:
5.50
